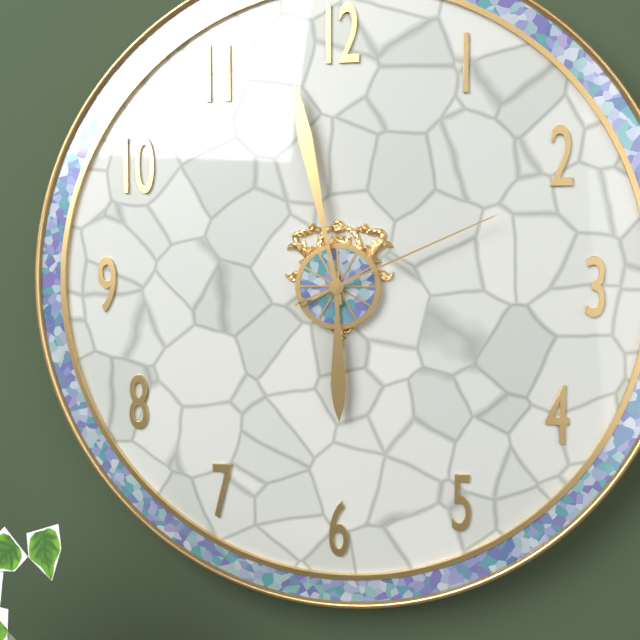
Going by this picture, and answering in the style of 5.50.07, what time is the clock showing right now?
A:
5.58.11
